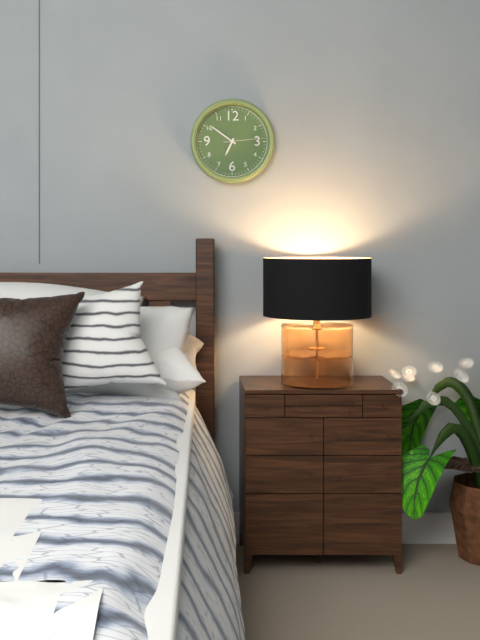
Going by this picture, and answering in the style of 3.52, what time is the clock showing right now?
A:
6.51
